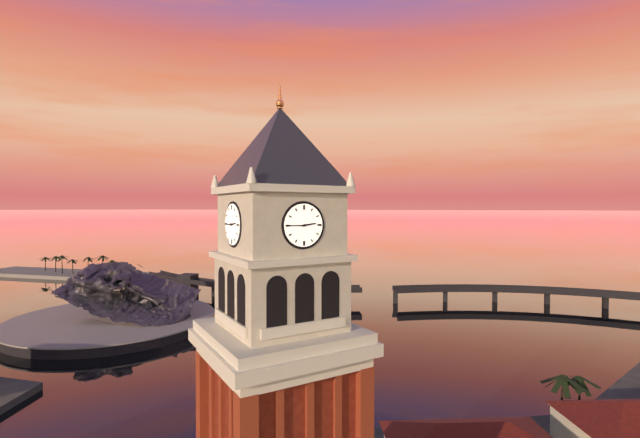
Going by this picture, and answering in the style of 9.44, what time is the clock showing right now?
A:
2.45
